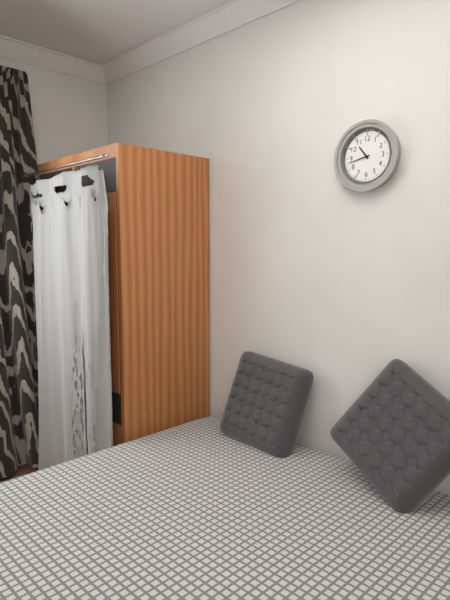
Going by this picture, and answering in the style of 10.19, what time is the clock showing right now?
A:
10.43
